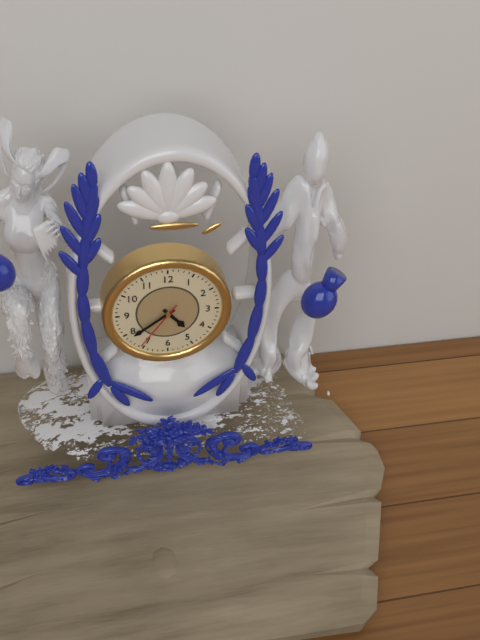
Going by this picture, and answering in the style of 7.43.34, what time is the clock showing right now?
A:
4.39.36
